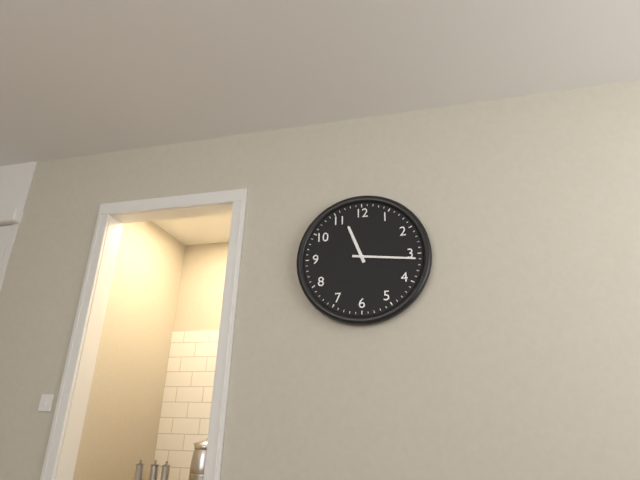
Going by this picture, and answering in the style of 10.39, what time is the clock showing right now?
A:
11.16
